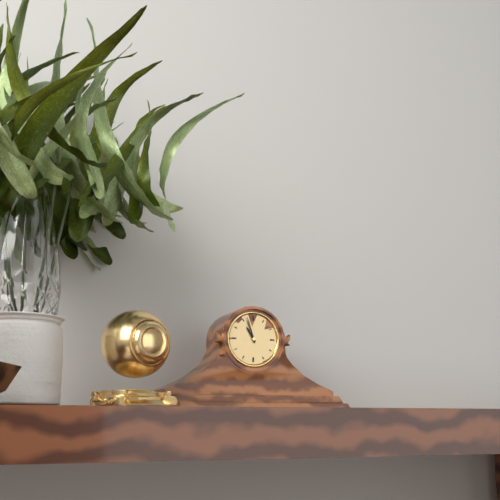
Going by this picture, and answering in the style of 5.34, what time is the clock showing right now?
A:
10.57
